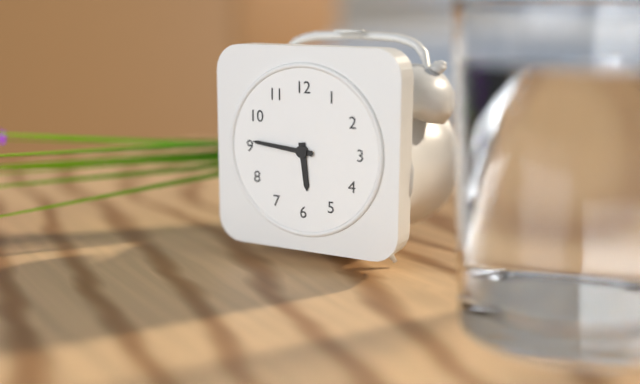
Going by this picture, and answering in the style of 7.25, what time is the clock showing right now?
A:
5.46
